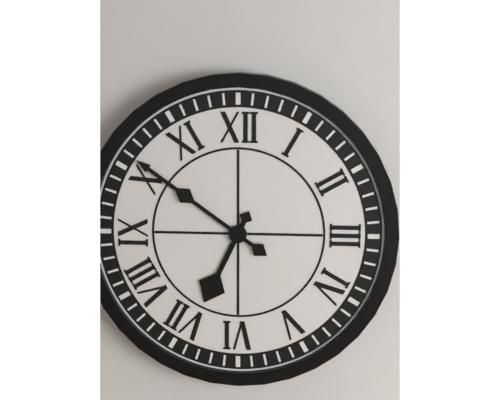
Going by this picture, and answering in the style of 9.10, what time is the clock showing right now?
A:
6.51
